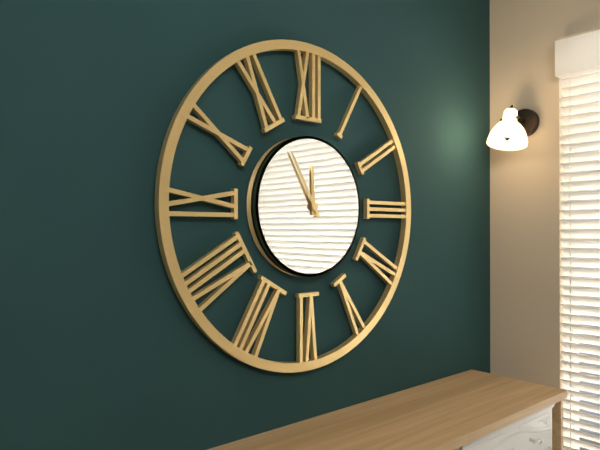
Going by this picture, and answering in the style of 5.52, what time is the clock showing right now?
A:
11.55
